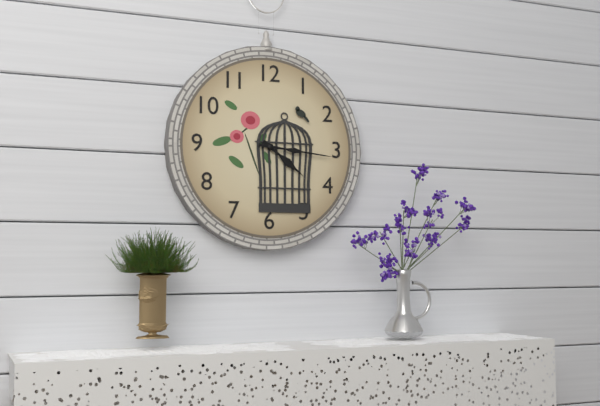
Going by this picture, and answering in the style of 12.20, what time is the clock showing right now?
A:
4.16
